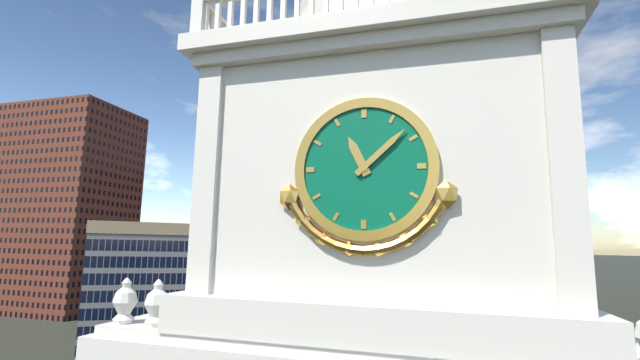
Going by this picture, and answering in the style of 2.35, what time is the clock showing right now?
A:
11.08
